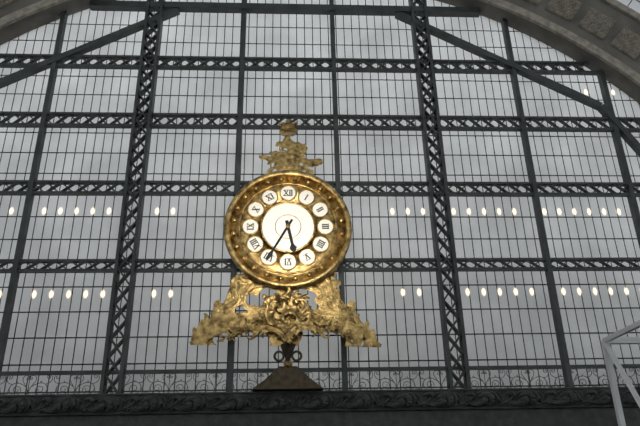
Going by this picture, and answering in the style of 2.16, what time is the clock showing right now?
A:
5.35
